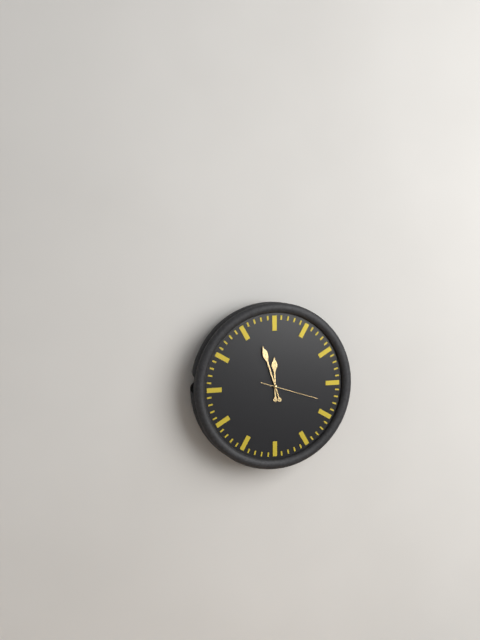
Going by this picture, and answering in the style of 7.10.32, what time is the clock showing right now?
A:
11.57.18
